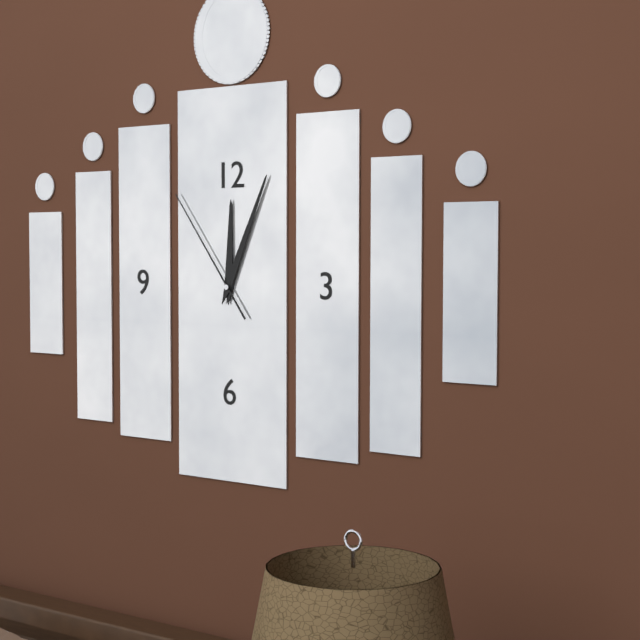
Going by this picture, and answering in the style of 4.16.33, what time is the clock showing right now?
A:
12.04.54
